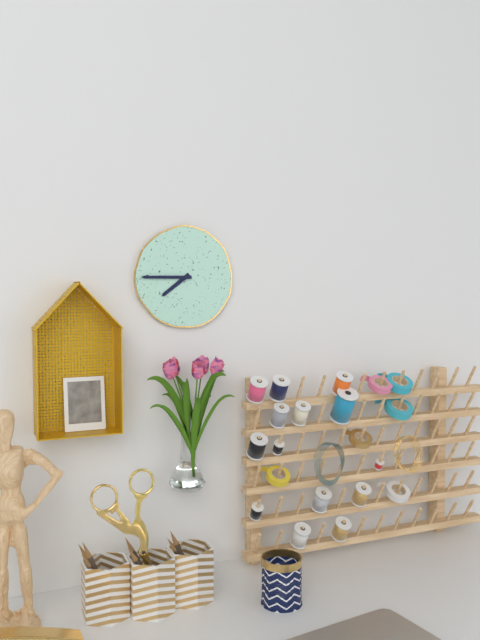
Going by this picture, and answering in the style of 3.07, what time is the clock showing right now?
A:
7.45
